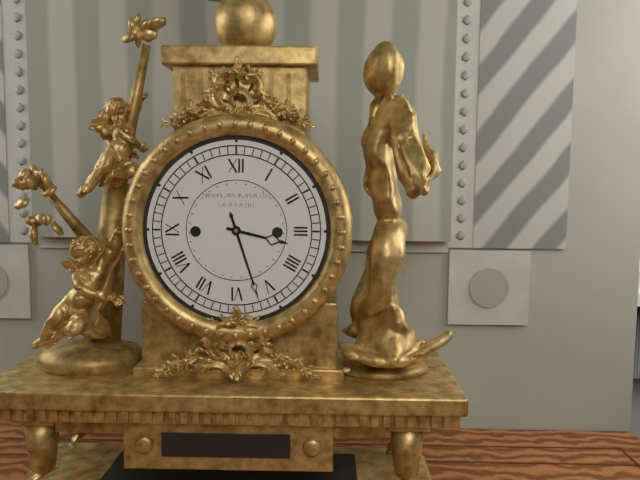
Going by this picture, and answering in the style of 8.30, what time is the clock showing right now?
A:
3.27
